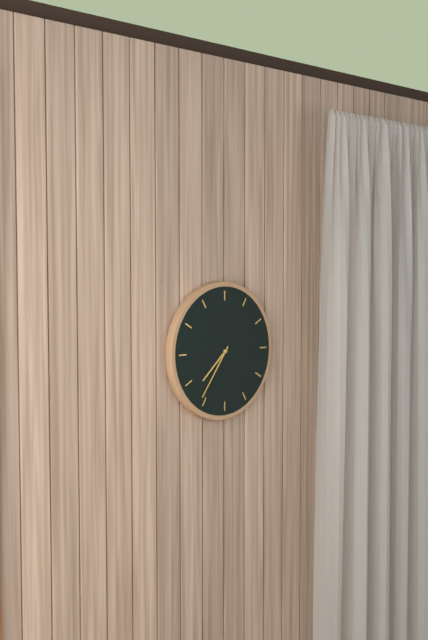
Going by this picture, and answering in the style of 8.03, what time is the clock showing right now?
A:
7.36
